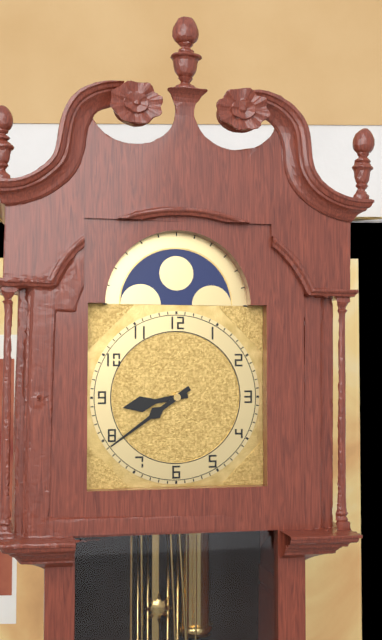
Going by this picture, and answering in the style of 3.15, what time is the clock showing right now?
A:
8.39
